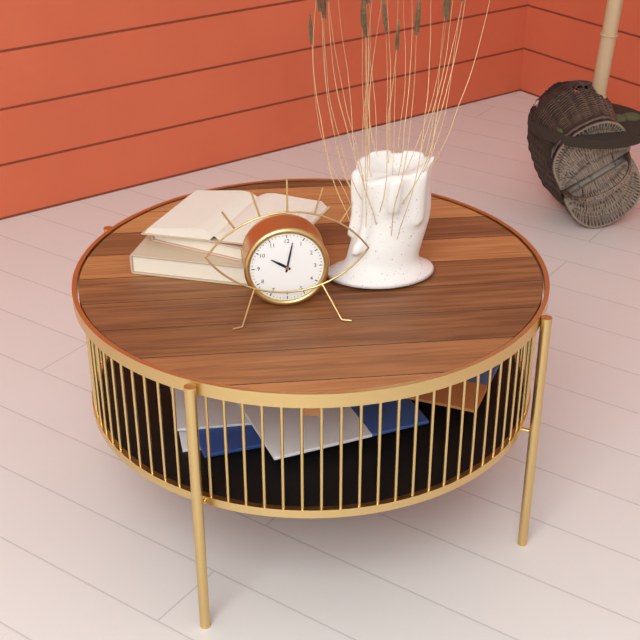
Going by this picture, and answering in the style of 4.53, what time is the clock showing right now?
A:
10.02
